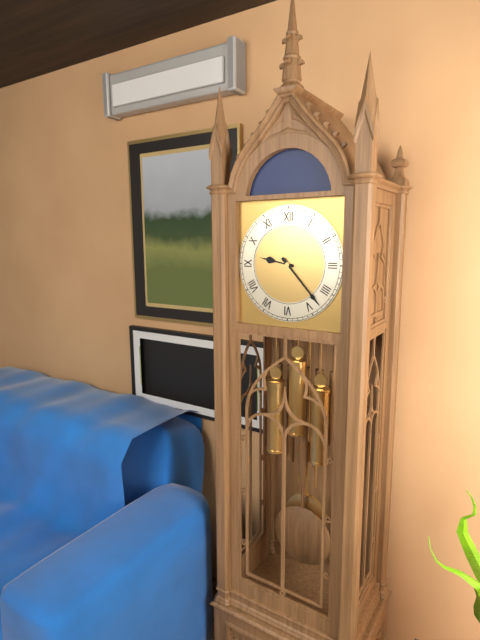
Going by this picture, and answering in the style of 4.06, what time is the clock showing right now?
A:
9.23
